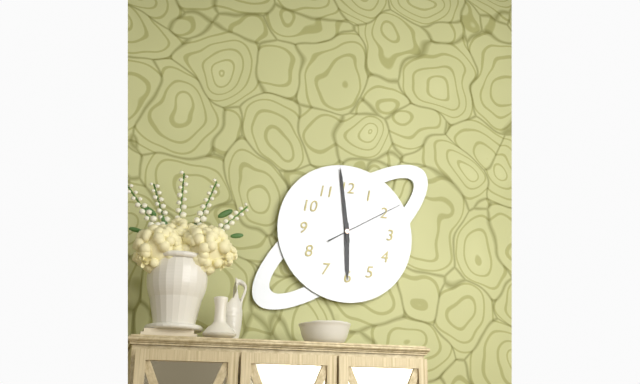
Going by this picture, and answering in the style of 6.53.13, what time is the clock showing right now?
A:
5.59.10
